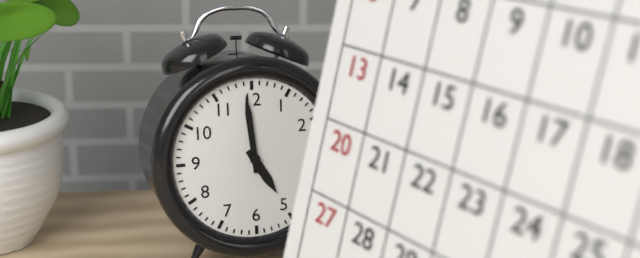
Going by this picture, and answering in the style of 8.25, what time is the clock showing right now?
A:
4.59
